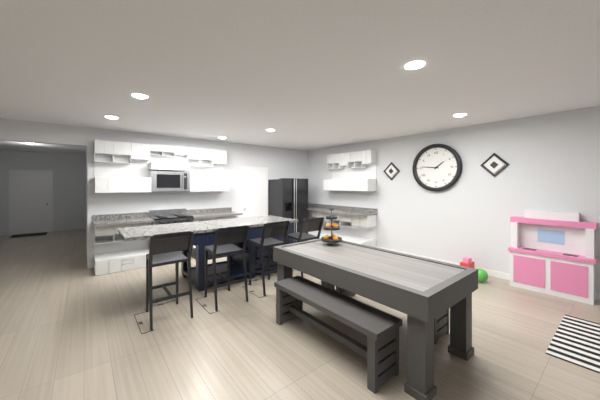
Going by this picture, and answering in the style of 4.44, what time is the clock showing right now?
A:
1.46
